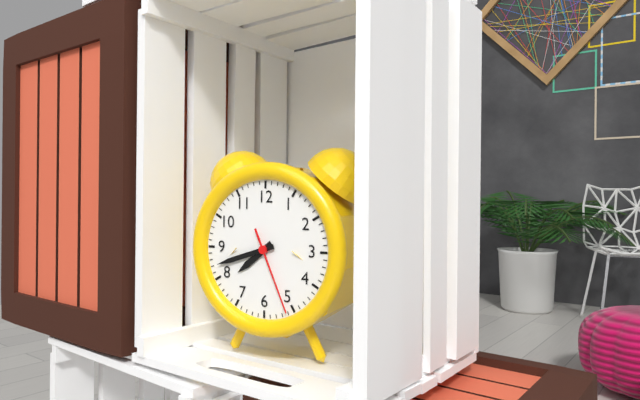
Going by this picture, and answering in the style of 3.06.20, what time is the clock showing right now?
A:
7.42.26
